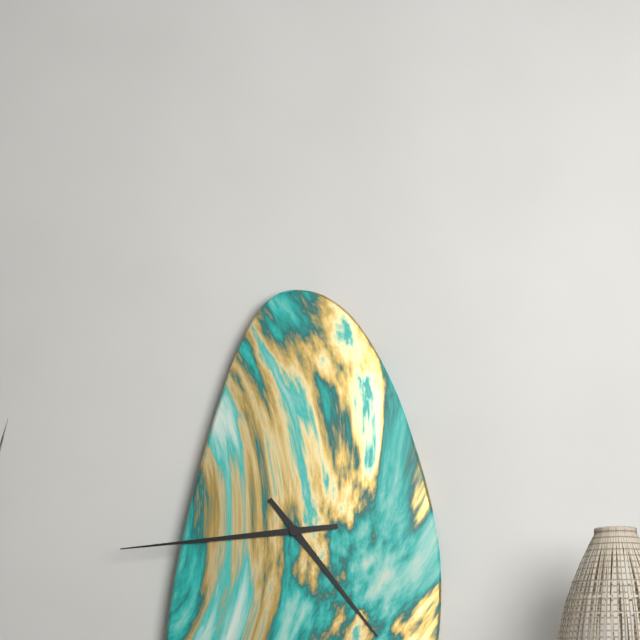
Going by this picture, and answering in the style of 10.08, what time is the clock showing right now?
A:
4.44
